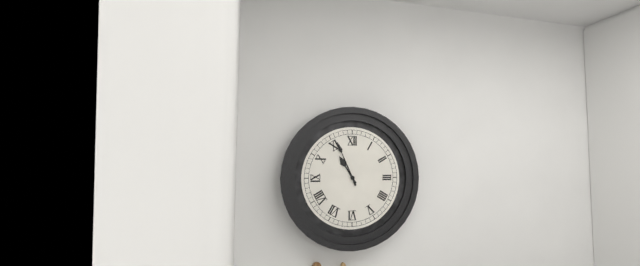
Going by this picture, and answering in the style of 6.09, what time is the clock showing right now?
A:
10.56
